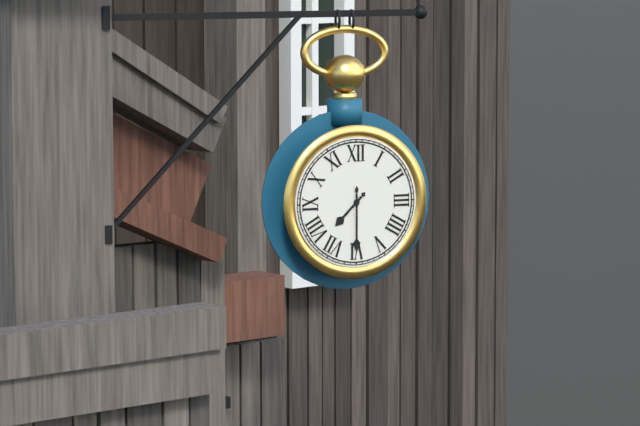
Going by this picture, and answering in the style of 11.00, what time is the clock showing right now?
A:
7.30
